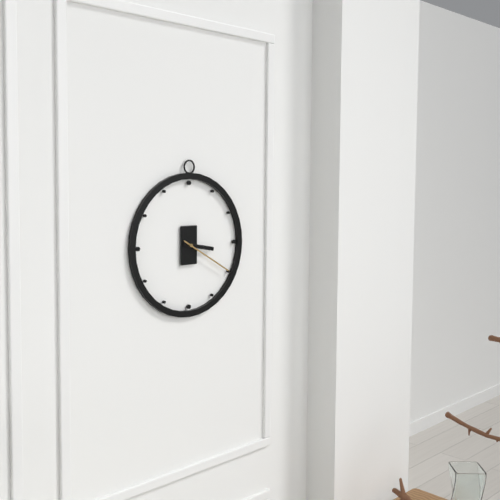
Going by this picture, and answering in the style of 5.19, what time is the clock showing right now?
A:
3.20
